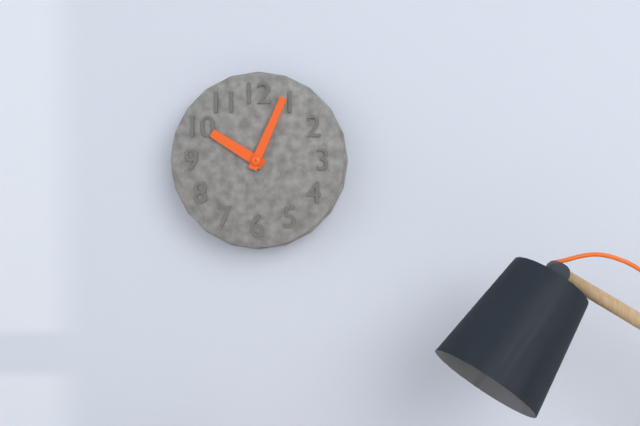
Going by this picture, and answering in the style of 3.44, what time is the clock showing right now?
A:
10.04
